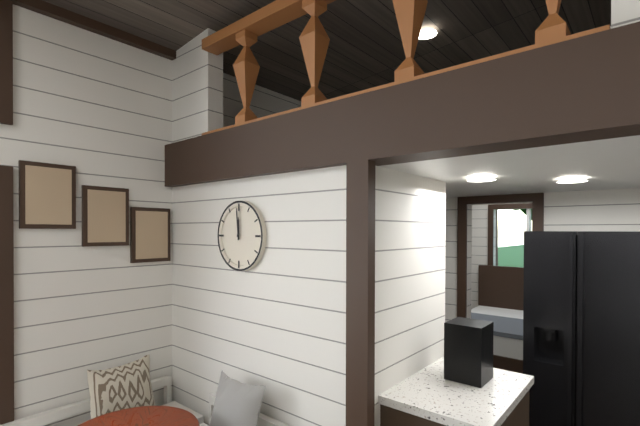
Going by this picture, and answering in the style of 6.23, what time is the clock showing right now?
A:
11.59
